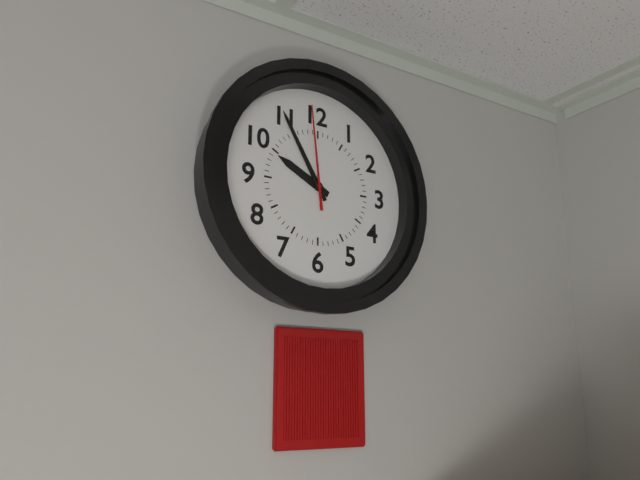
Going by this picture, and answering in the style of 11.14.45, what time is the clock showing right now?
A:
9.55.59
